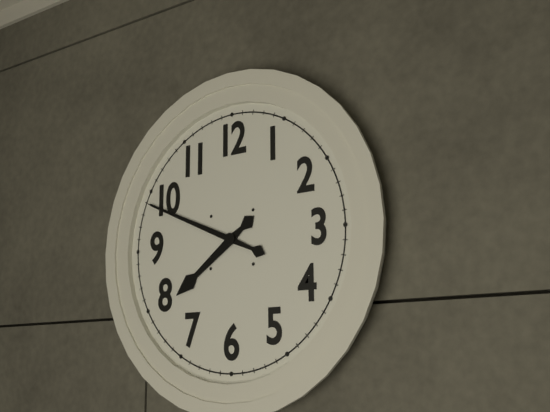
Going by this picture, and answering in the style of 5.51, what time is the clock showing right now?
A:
7.49
